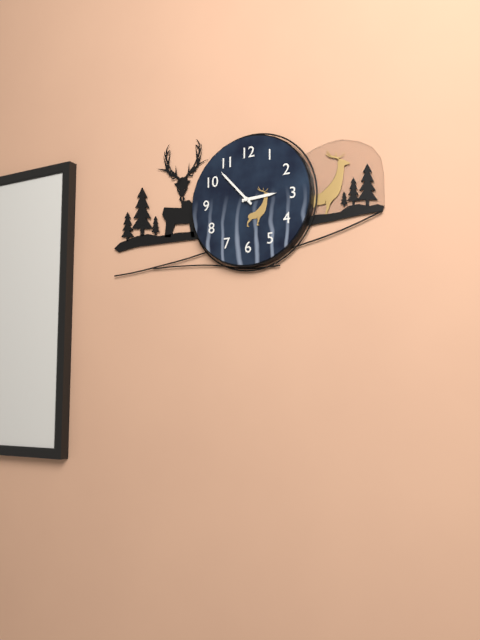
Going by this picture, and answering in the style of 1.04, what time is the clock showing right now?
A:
2.53
